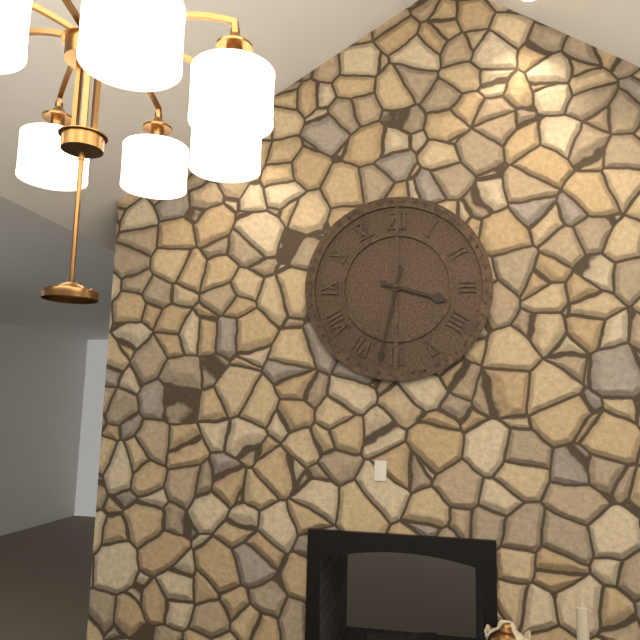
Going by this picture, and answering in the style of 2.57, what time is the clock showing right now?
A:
3.32
